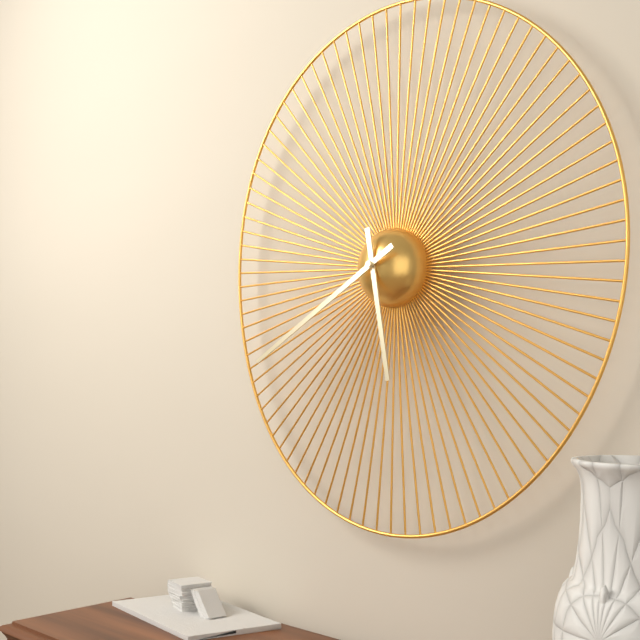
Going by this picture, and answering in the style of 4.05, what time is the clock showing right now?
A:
5.40
